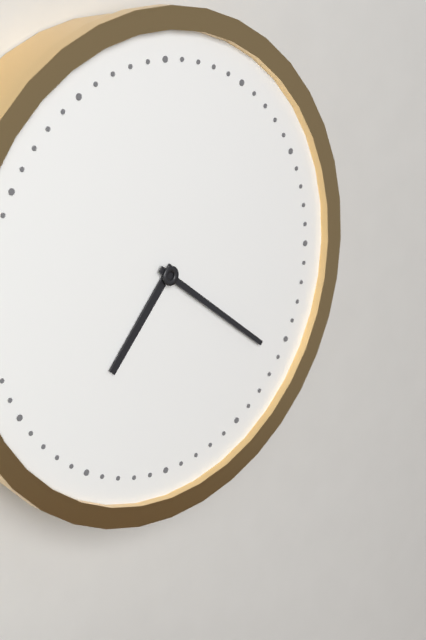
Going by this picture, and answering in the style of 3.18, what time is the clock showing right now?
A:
7.21
